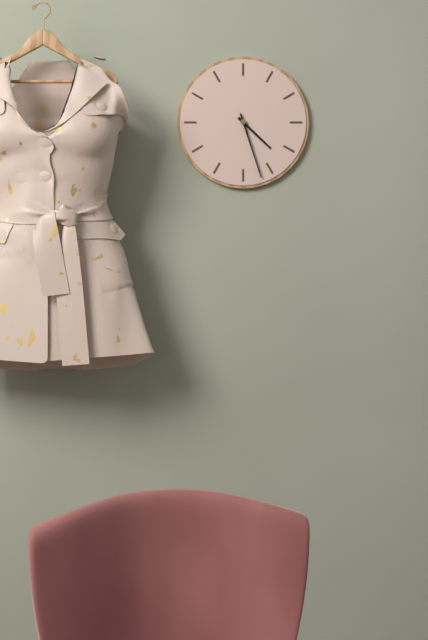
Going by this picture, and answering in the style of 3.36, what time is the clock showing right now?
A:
4.27
